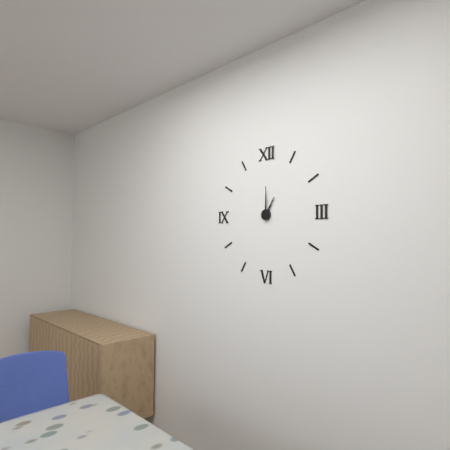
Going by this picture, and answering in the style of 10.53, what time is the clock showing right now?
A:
1.00
